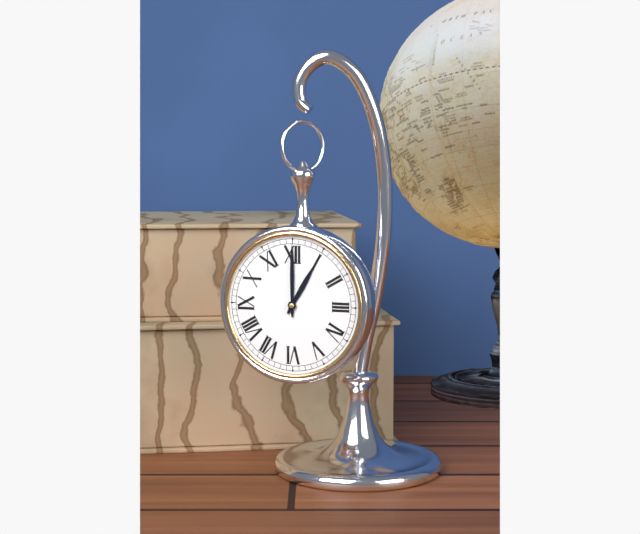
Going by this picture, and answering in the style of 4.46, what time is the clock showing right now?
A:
1.00
